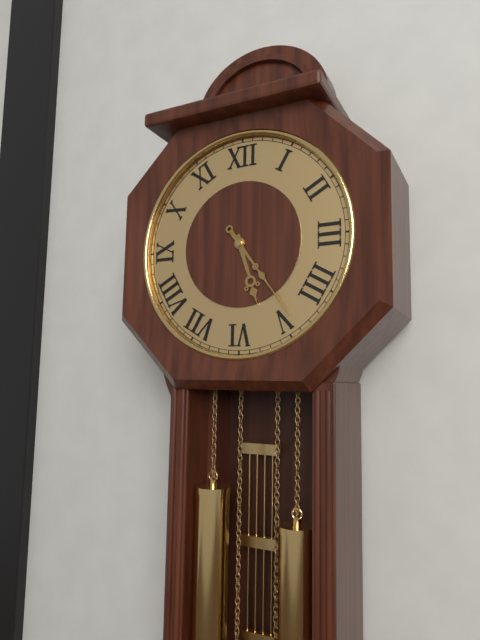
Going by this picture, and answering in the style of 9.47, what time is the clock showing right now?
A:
5.24
